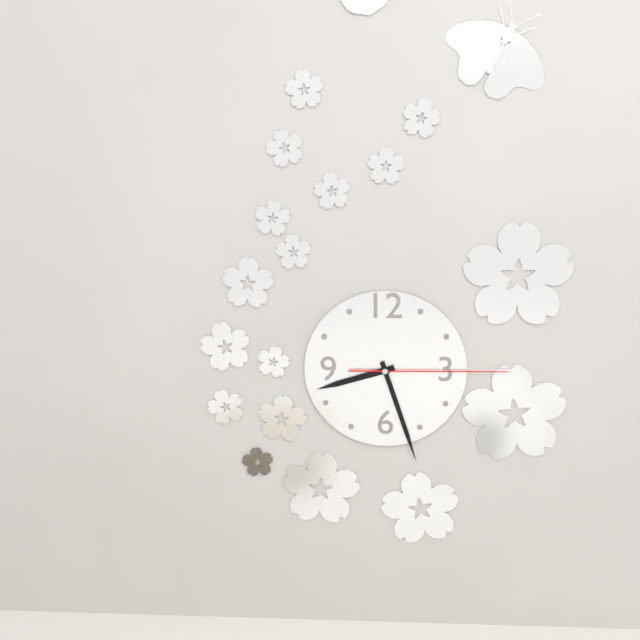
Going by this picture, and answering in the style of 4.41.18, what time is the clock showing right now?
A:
8.27.15
